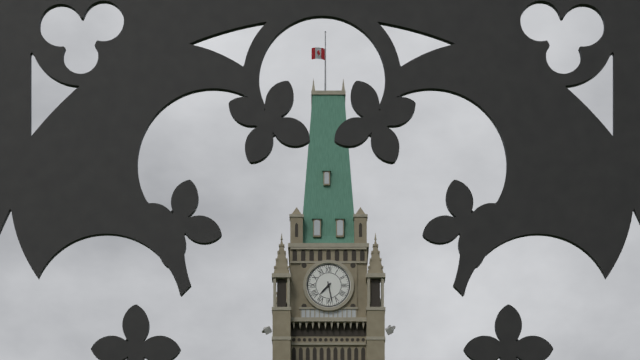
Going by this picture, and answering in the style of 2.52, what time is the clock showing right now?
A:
7.28
